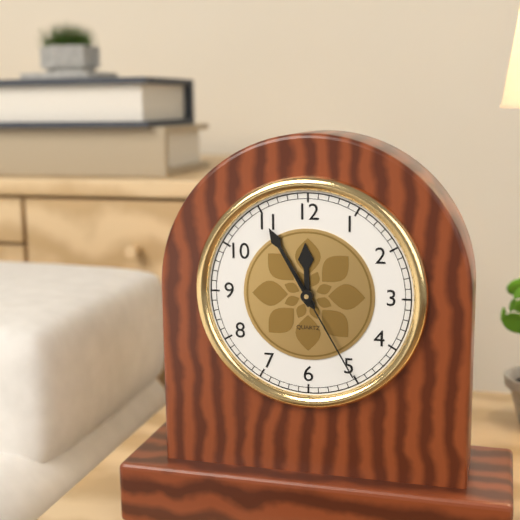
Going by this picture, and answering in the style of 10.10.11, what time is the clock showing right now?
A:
11.55.25
